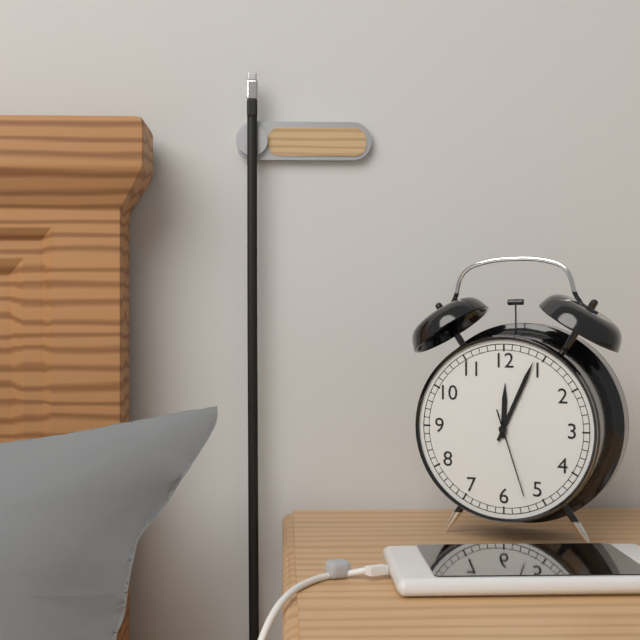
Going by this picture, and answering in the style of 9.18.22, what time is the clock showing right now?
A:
12.04.27
